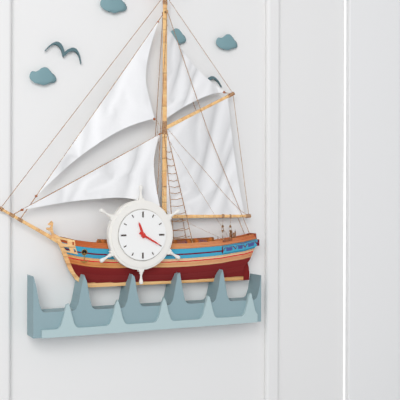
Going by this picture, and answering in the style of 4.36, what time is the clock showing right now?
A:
11.20
